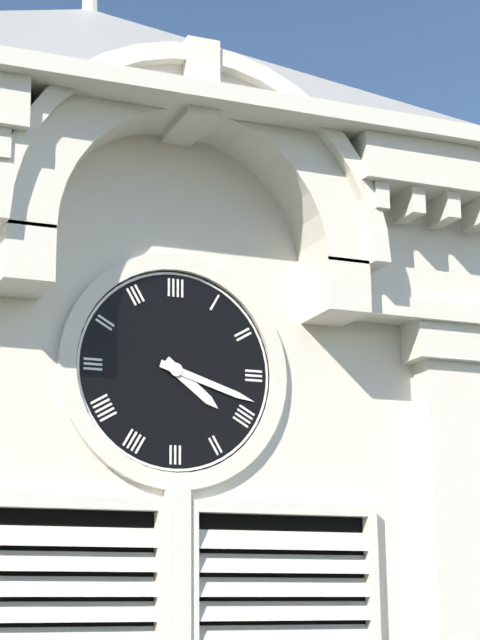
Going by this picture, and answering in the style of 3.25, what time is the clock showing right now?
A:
4.18
